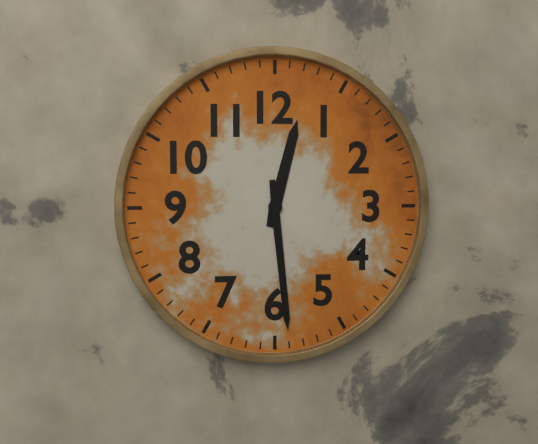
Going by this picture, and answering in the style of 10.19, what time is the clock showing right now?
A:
12.29
